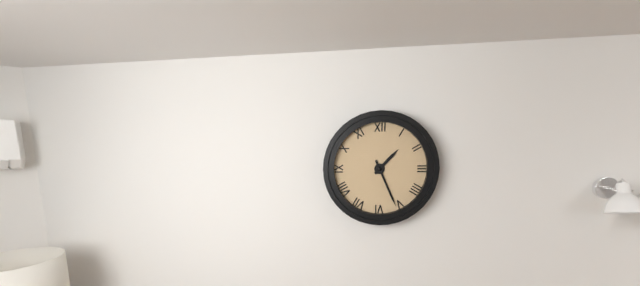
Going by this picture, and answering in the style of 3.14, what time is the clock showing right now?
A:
1.26
